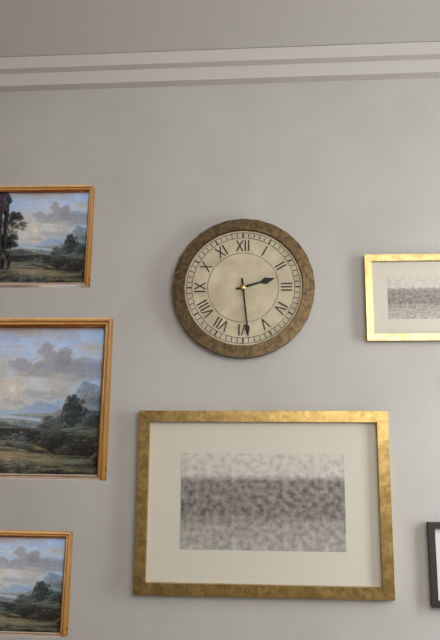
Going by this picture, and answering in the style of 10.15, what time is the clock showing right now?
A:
2.29
